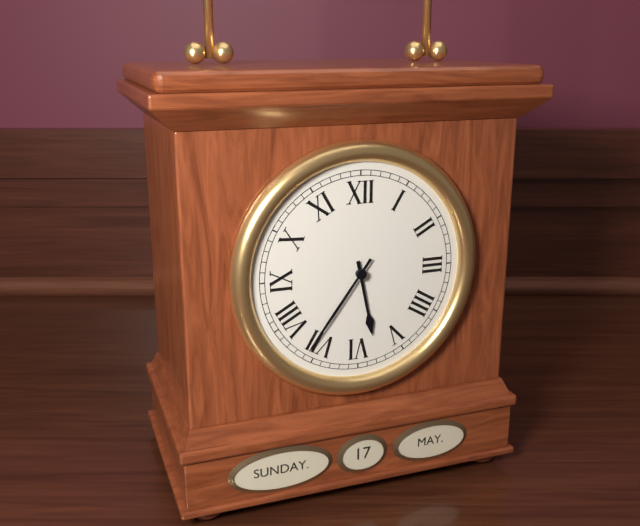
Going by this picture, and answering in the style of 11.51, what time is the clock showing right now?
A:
5.36
